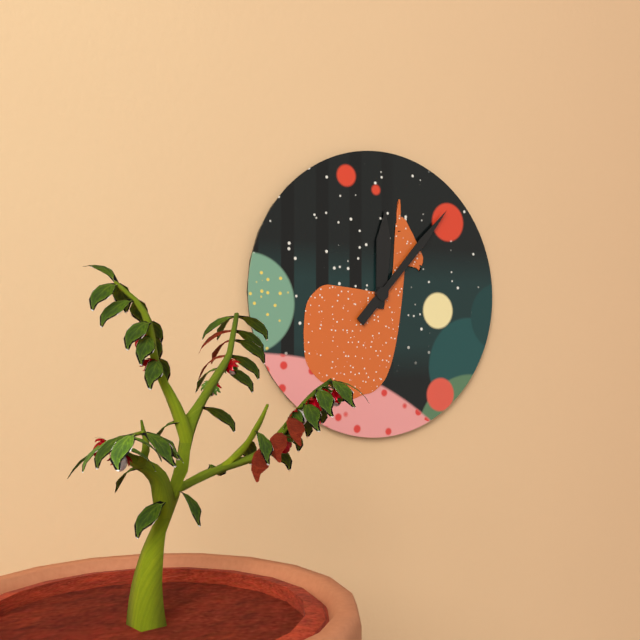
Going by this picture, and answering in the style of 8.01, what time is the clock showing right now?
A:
12.07
